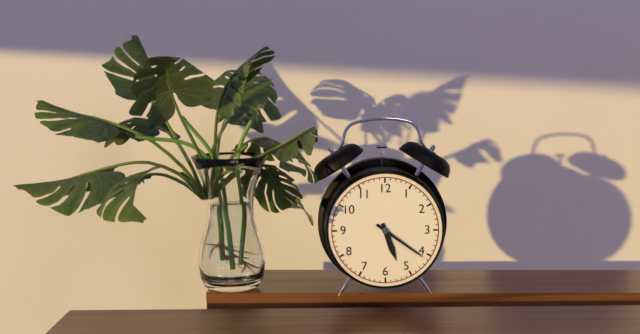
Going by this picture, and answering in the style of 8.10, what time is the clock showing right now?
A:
5.21
